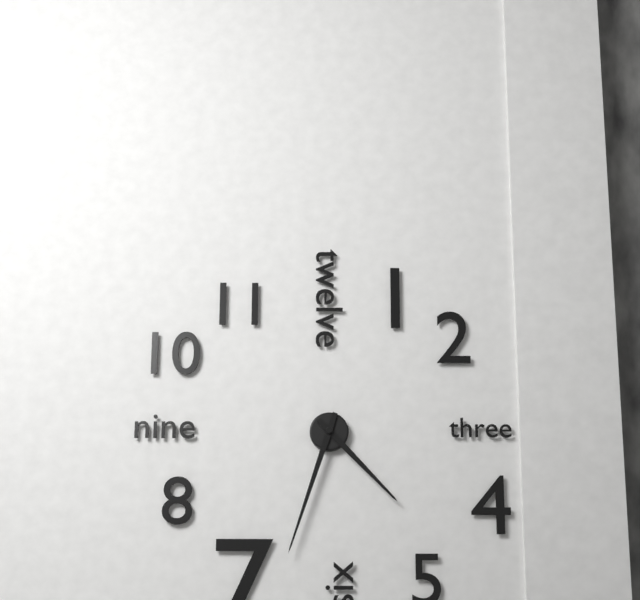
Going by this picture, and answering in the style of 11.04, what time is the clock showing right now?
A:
4.33
